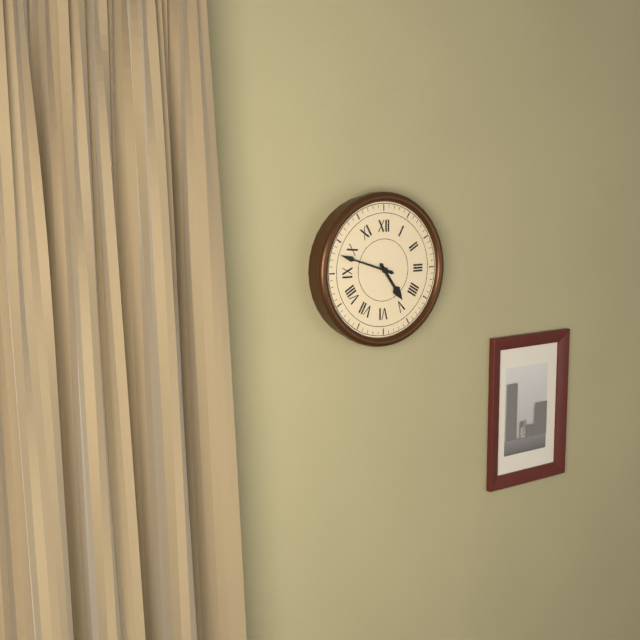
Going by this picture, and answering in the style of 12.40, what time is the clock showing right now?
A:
4.48
